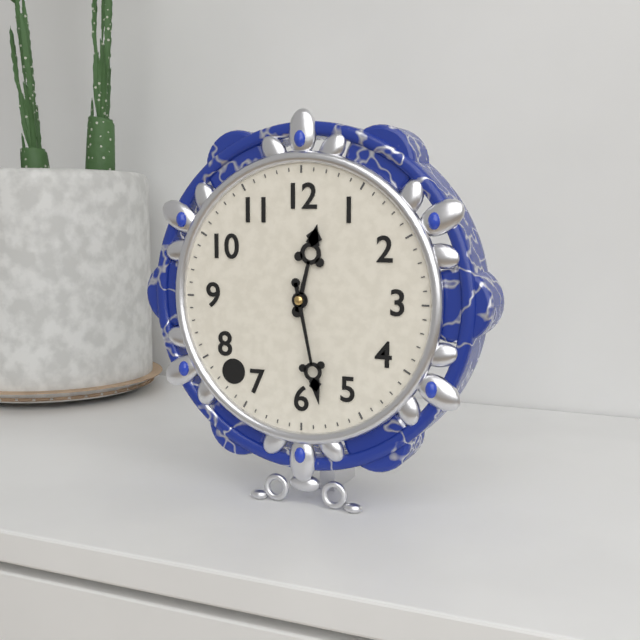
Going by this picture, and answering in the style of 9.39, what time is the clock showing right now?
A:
12.28
